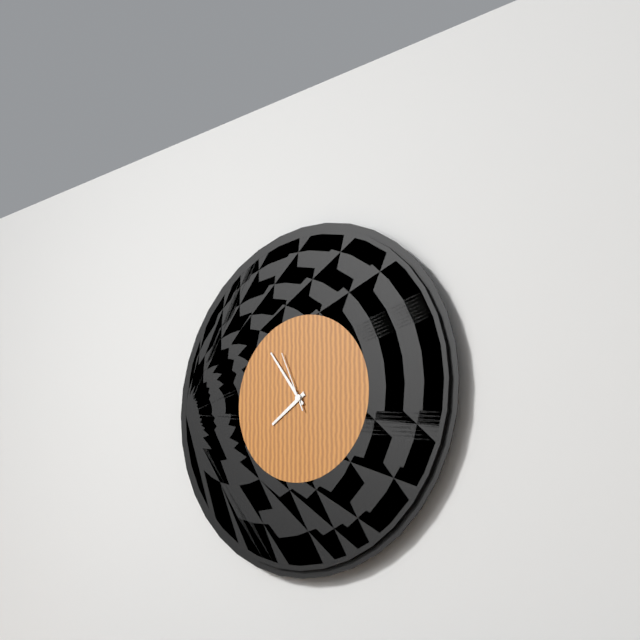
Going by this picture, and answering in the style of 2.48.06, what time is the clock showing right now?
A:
7.54.56
